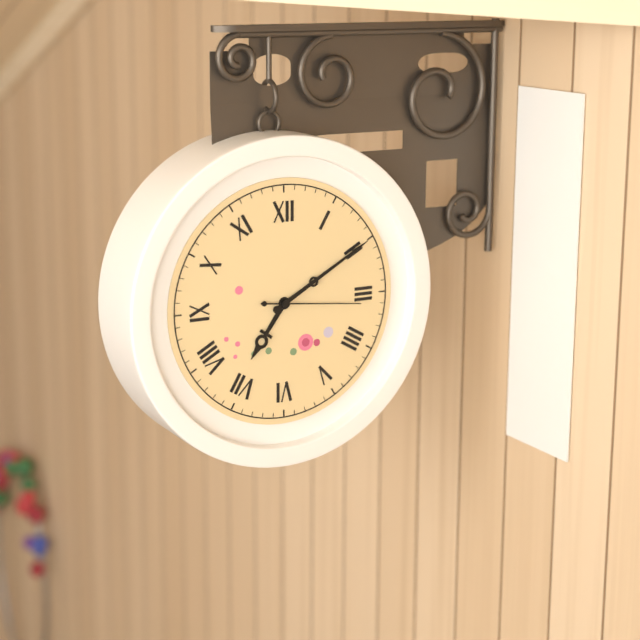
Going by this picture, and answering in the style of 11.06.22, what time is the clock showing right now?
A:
7.10.16
